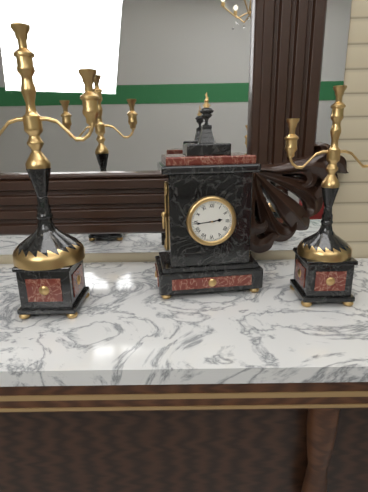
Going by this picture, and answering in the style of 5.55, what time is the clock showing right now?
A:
2.44
